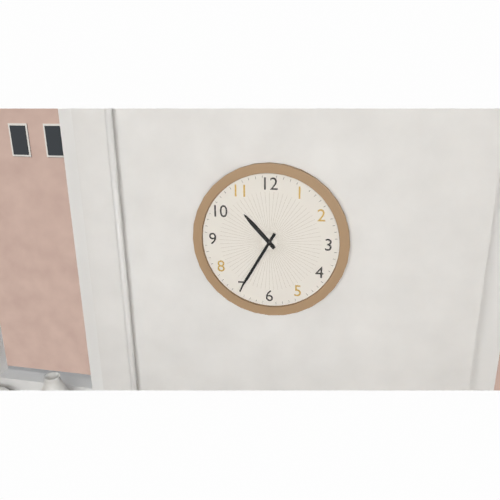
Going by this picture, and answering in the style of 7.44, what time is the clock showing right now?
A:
10.35
